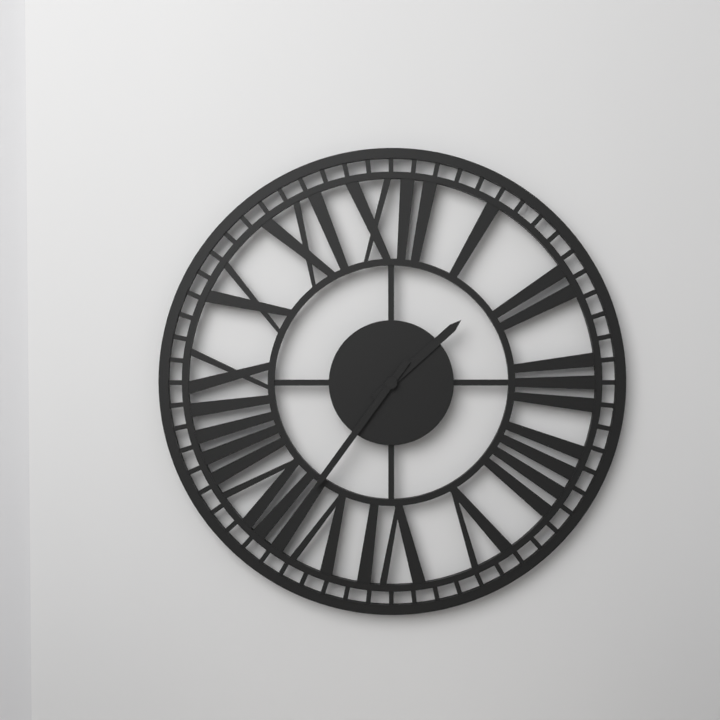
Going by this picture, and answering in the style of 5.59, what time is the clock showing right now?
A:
1.36
